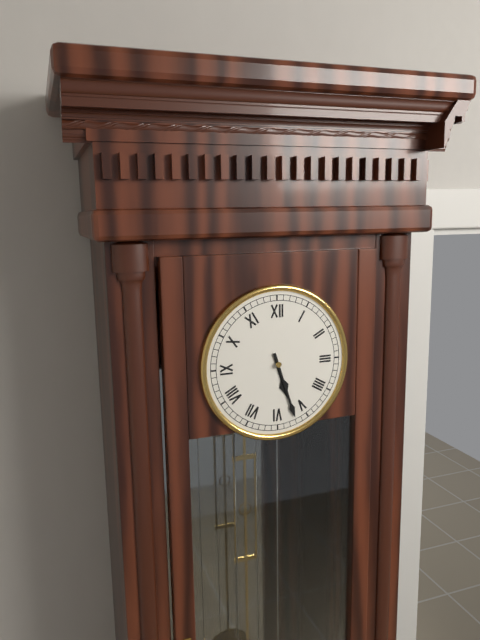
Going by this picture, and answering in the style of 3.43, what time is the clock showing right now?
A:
5.27
